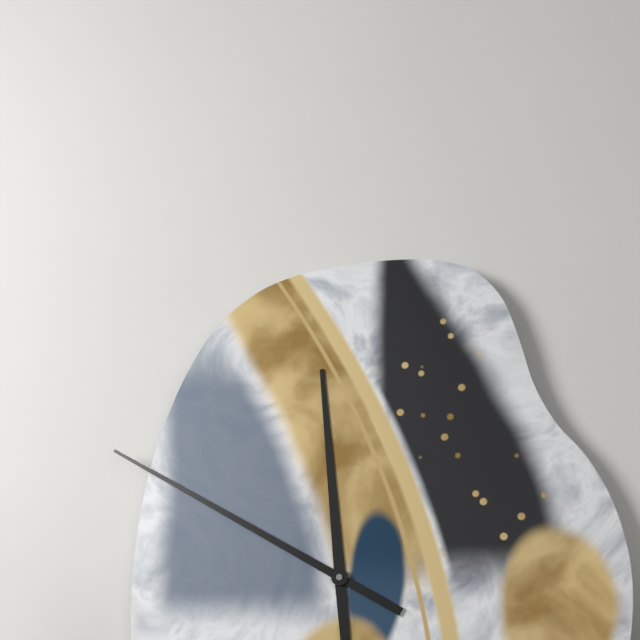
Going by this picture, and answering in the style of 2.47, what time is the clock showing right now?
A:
11.50
